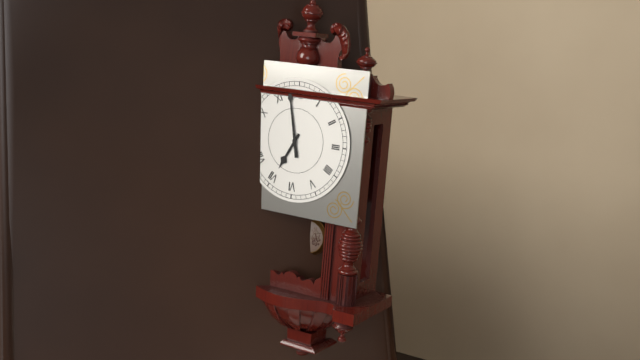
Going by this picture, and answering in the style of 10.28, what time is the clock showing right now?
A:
6.58
